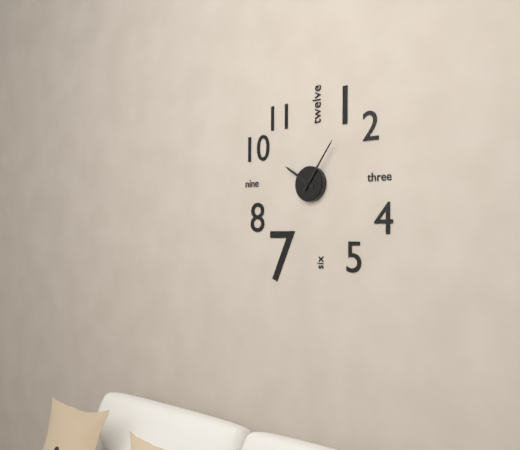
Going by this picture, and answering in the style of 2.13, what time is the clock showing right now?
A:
10.06
